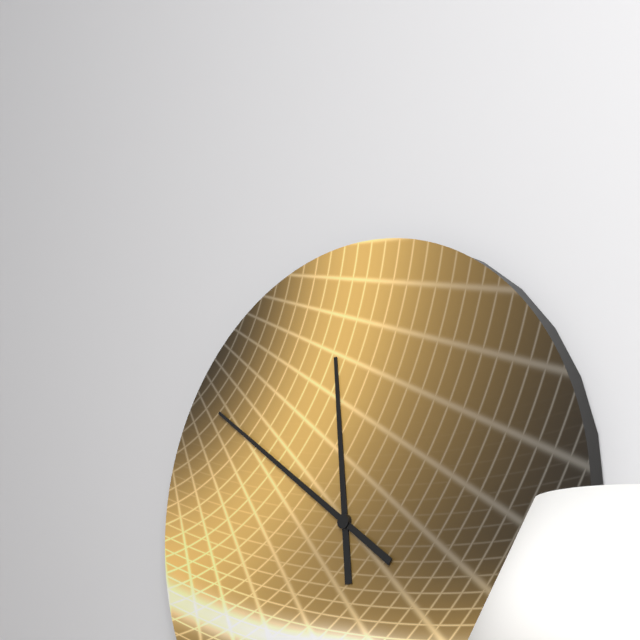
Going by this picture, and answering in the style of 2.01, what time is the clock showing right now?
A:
11.51
